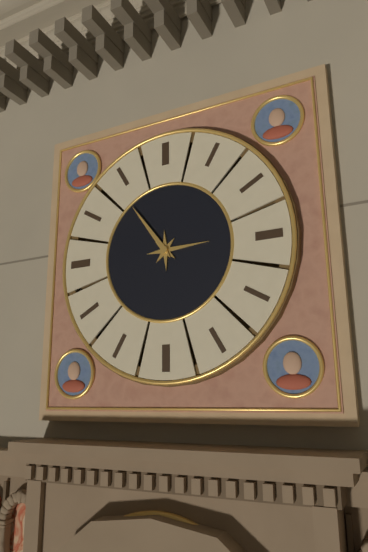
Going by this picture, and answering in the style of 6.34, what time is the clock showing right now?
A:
2.54
